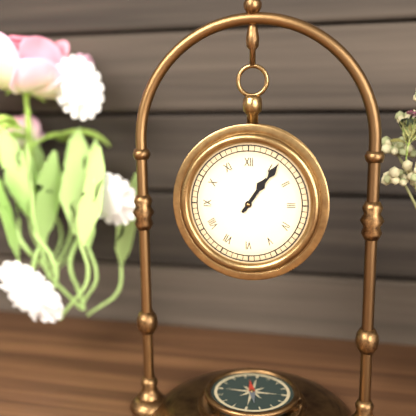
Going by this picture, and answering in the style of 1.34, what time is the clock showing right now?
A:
1.06
